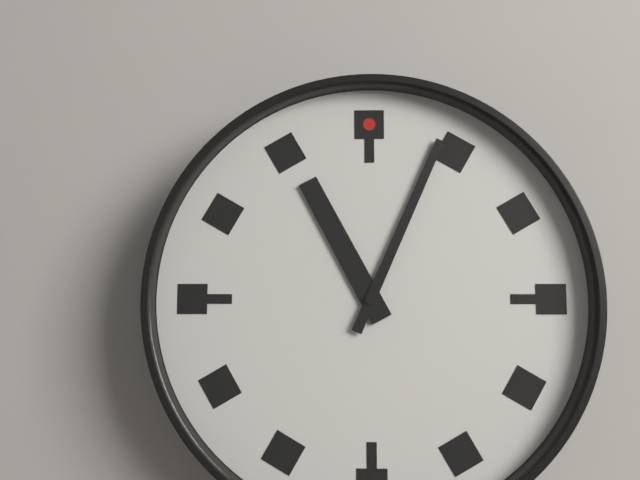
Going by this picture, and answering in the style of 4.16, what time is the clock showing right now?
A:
11.04
